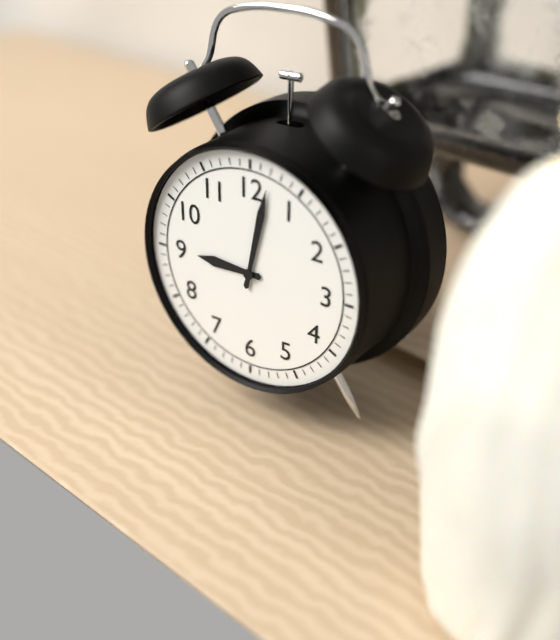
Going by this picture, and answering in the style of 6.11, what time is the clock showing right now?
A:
9.02
